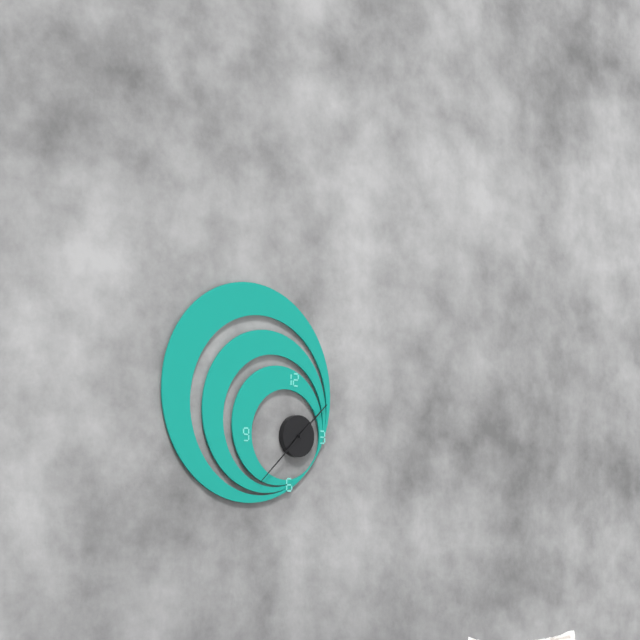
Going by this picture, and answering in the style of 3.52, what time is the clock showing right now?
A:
1.38
